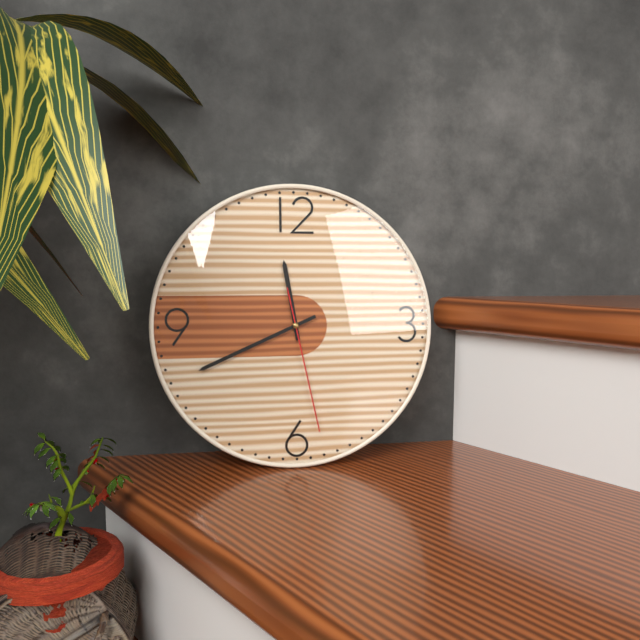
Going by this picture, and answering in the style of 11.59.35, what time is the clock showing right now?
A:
11.41.28
